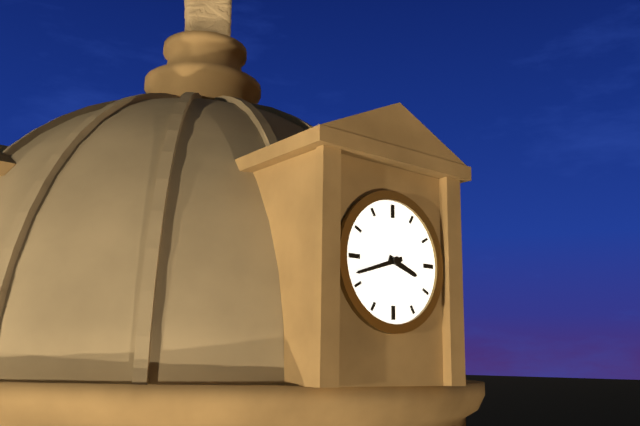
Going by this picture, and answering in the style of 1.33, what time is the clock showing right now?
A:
3.42
